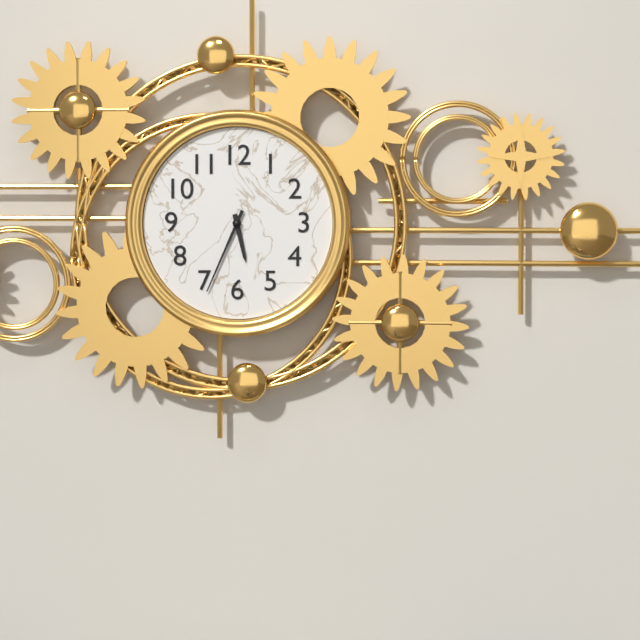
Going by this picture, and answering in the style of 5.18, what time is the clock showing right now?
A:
5.34
